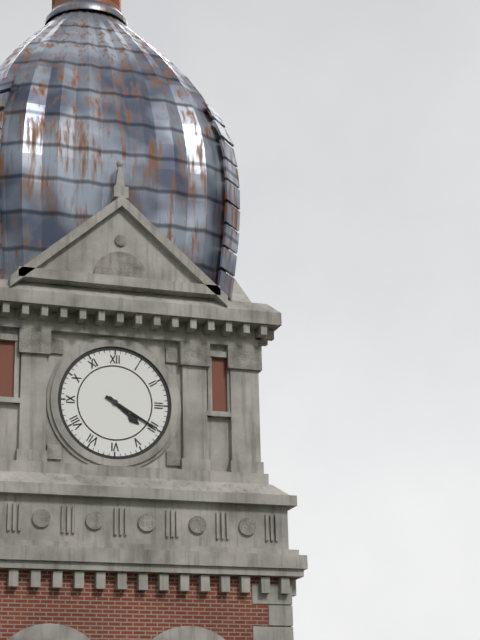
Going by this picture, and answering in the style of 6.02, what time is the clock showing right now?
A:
4.20
